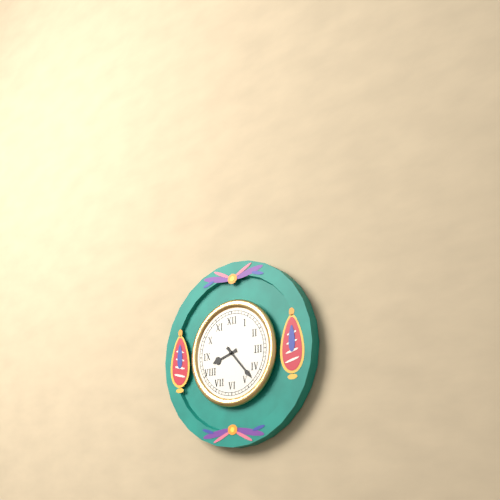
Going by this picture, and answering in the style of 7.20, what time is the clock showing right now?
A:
8.23
